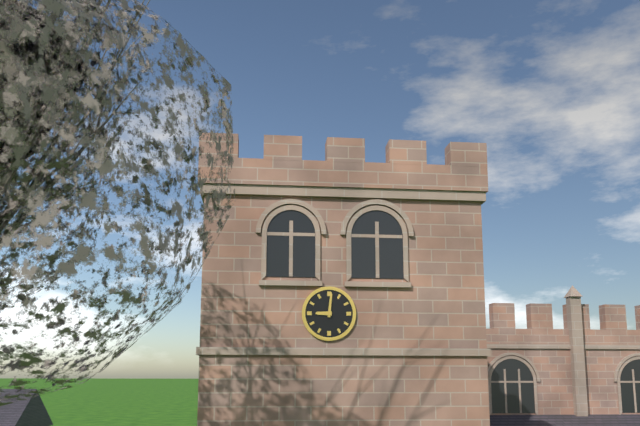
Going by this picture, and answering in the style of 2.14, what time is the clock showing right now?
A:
9.01
